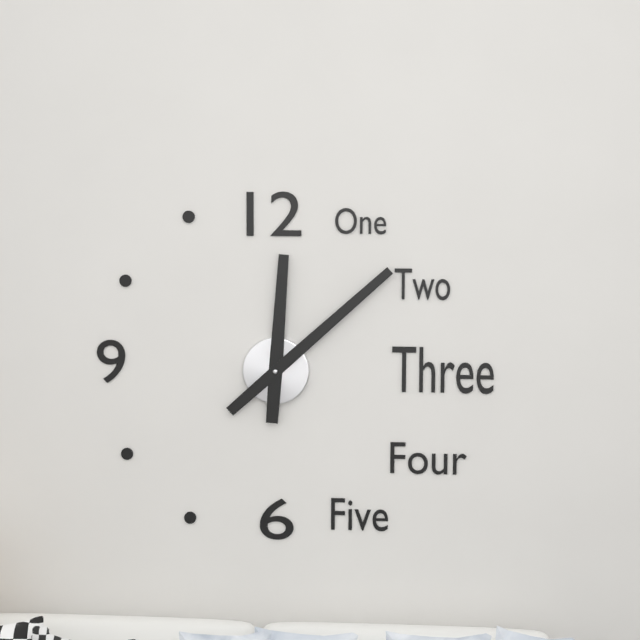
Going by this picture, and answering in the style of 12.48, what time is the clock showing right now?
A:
12.08
